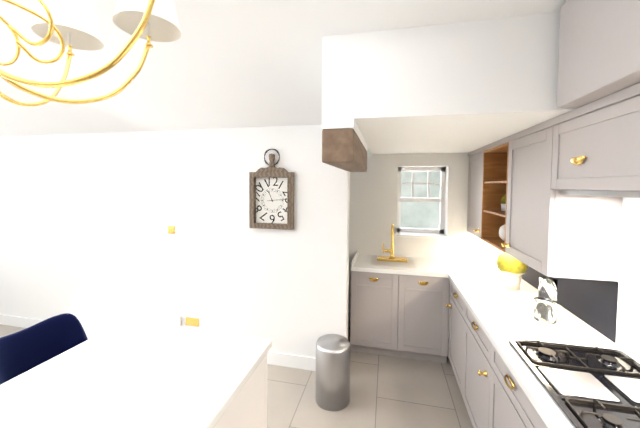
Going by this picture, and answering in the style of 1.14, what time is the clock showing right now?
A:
11.14
